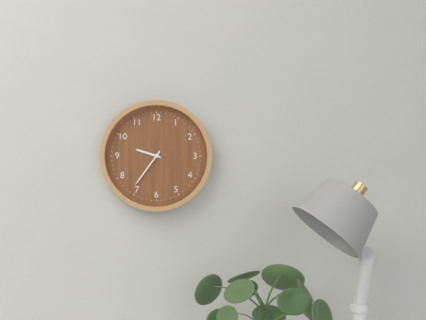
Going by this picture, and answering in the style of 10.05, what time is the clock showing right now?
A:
9.36
